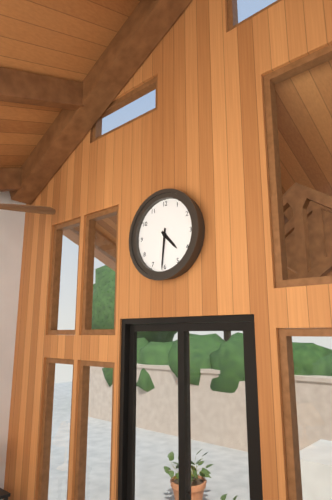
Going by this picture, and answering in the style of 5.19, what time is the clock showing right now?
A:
4.31
